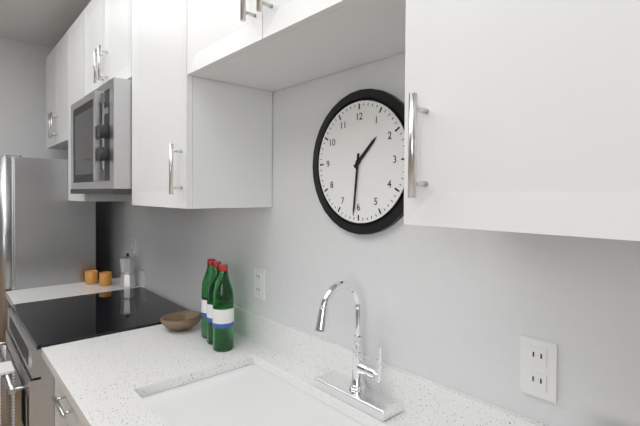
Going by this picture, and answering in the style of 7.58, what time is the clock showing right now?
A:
1.31
